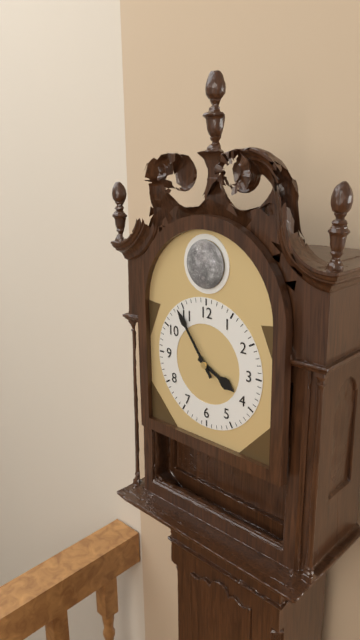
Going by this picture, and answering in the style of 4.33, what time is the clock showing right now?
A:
3.54
